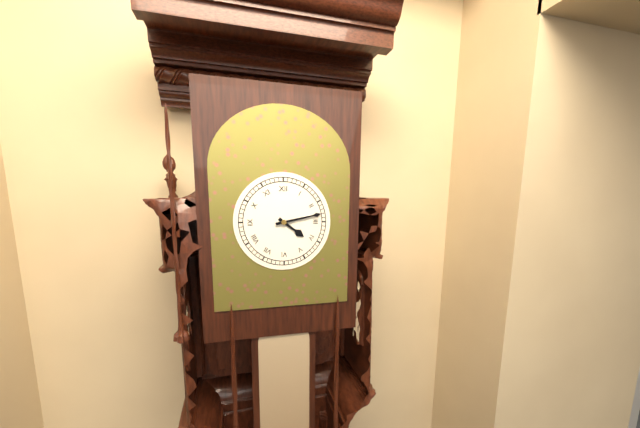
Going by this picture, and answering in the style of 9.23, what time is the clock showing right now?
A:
4.13
